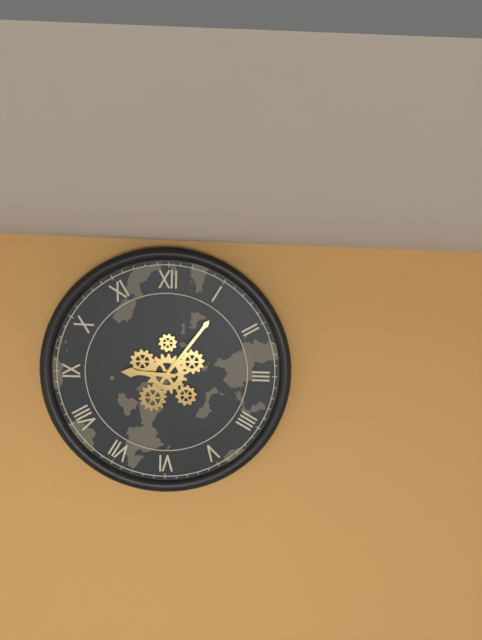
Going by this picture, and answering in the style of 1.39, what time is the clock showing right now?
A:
9.06
